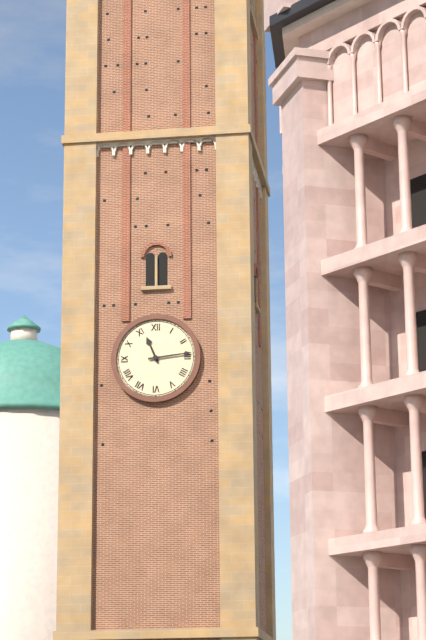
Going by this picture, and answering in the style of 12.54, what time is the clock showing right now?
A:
11.14
